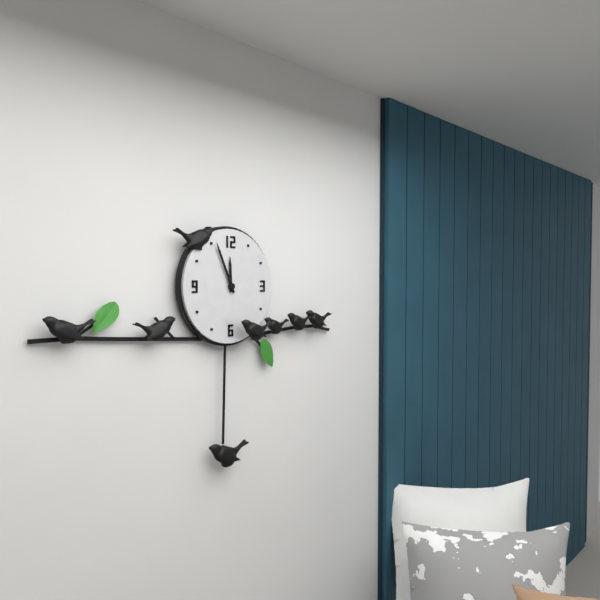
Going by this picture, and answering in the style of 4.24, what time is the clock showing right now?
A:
11.56
